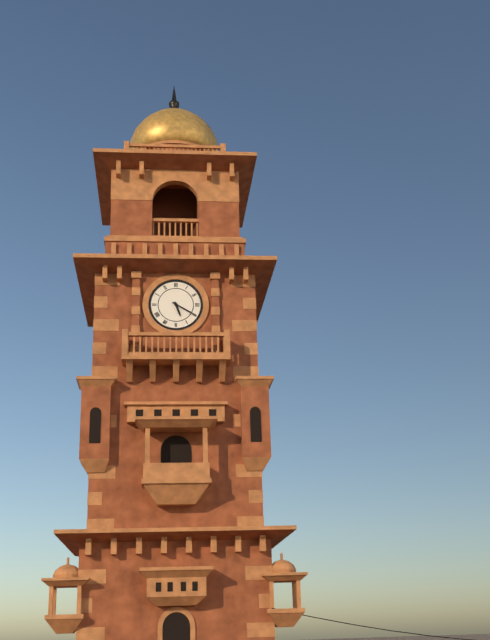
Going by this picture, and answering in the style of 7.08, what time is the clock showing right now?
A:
5.20
